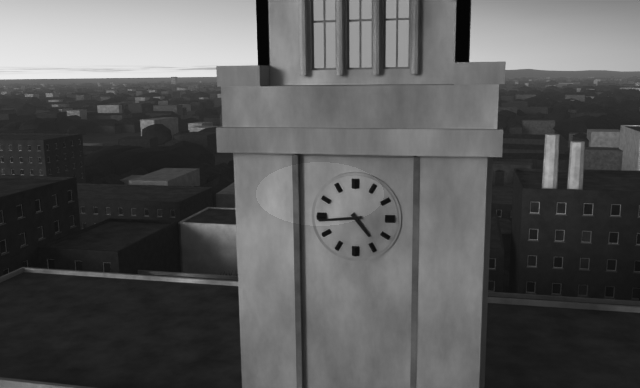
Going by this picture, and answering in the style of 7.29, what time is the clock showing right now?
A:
4.44
